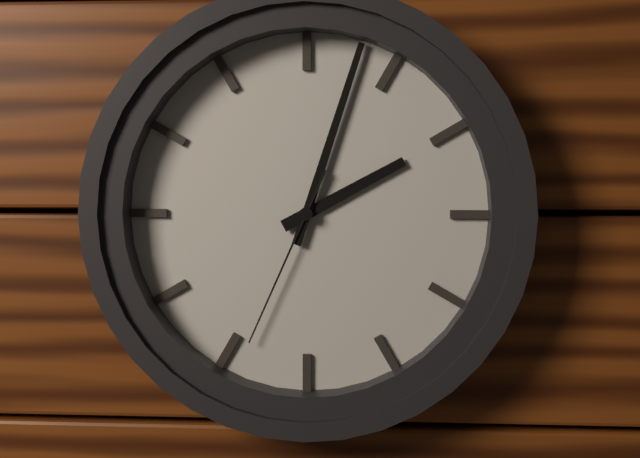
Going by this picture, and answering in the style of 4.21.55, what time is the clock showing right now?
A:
2.03.34
